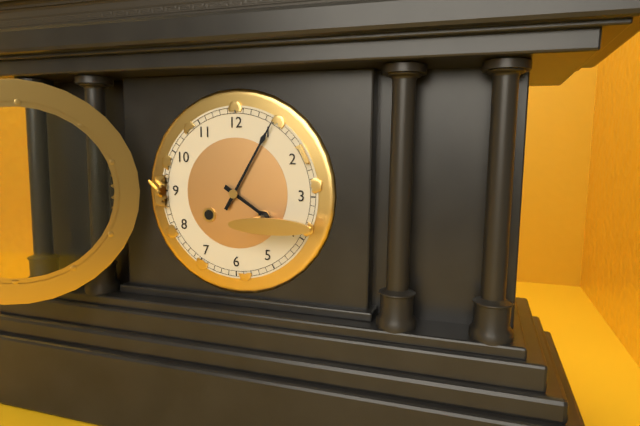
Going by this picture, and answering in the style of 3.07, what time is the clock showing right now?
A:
4.05
